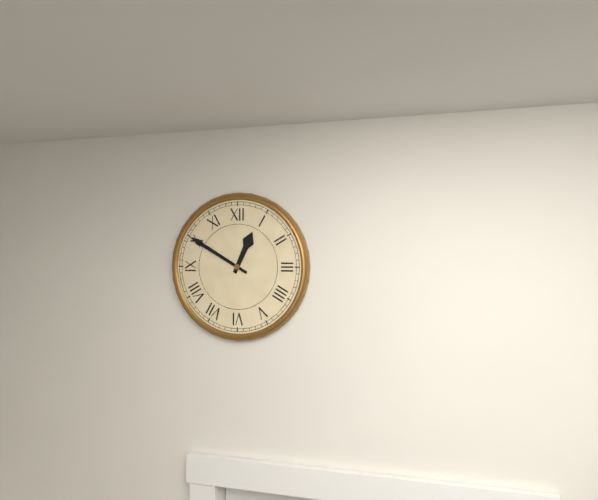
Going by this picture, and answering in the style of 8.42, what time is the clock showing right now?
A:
12.50
